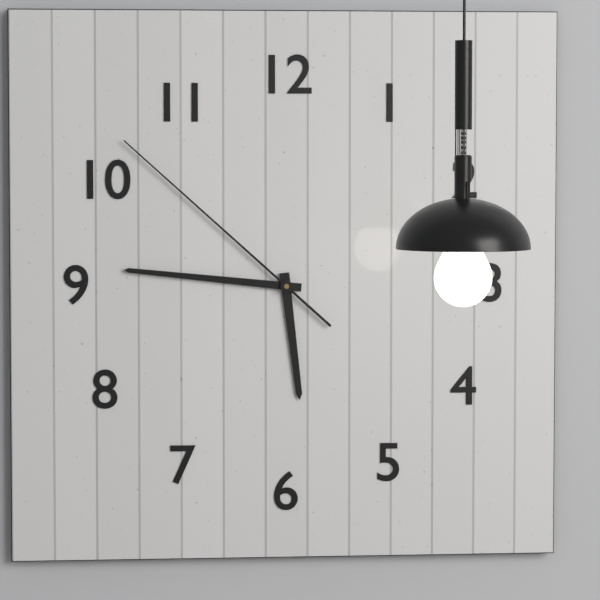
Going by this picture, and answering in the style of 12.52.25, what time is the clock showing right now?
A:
5.46.52
